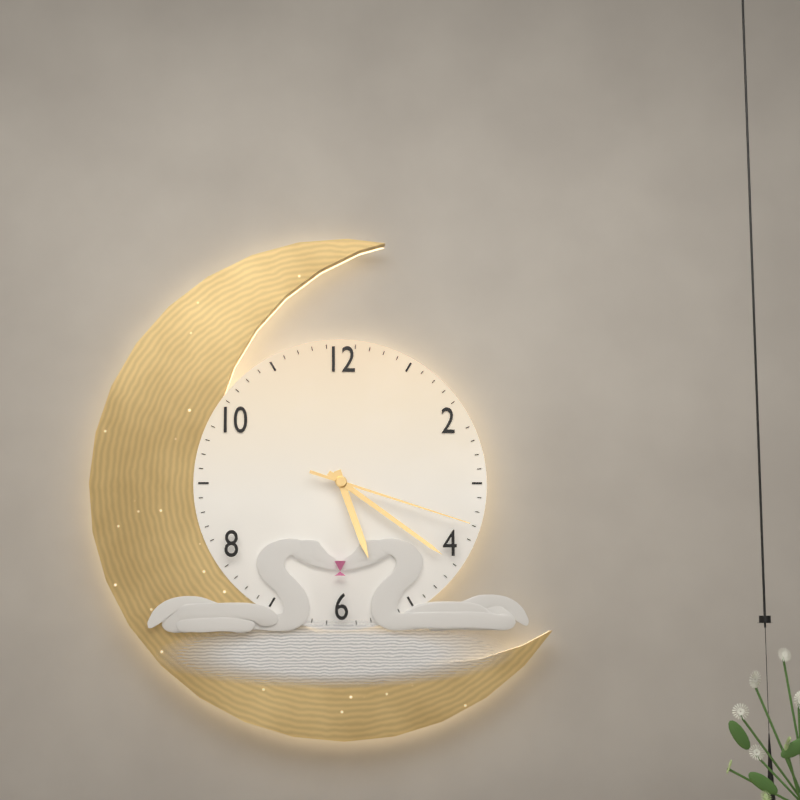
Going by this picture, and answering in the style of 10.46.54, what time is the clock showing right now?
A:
5.21.18
